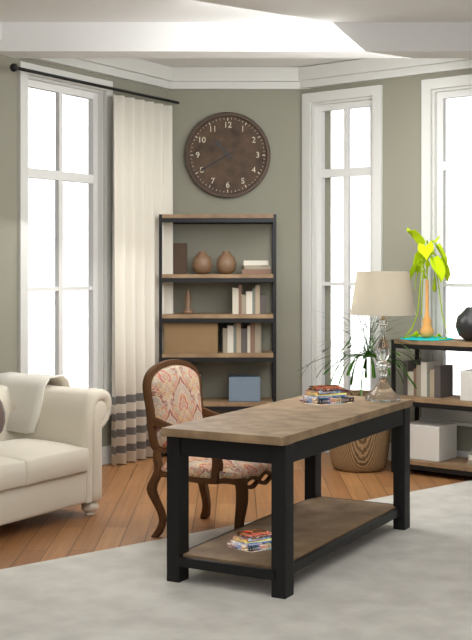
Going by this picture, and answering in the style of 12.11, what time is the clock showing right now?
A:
10.40
